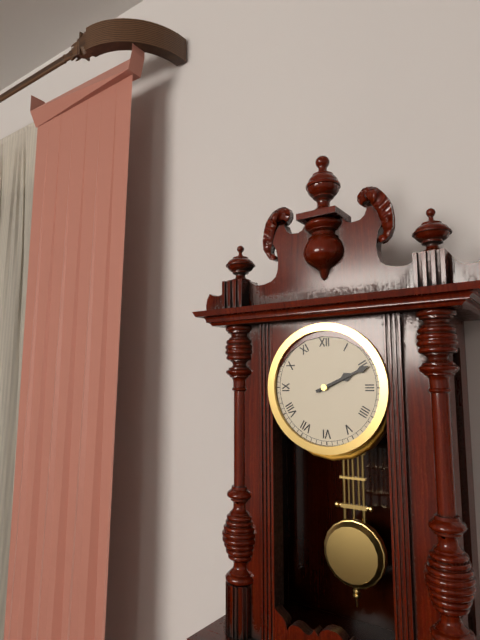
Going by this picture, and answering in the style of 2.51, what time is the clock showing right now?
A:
2.11
